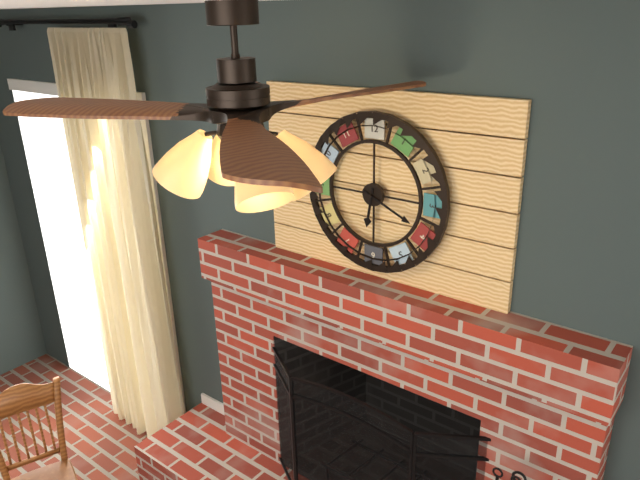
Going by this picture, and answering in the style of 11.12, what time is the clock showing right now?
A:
6.19
